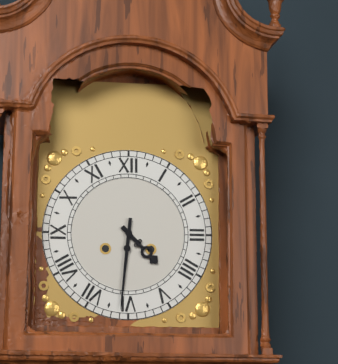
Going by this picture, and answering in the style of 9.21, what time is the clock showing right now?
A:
4.31
